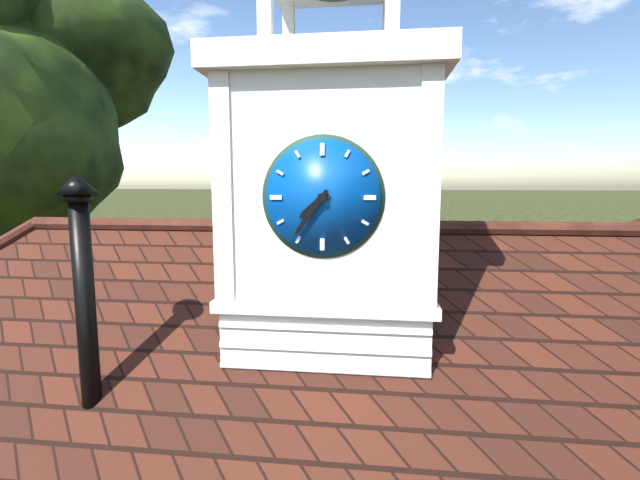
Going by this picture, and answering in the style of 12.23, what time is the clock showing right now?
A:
7.36
